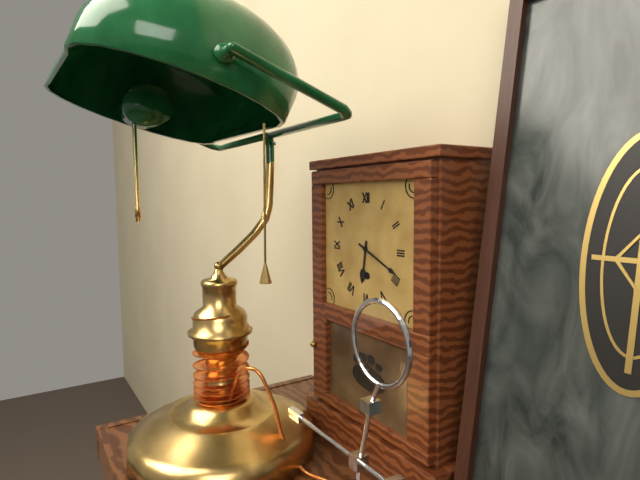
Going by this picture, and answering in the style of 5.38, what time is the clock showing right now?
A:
6.19
